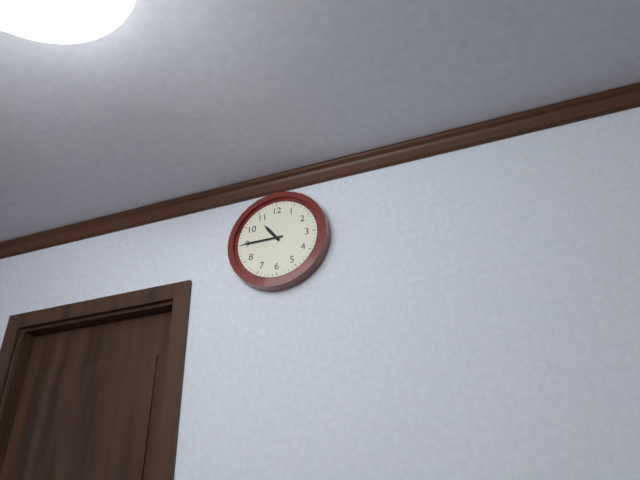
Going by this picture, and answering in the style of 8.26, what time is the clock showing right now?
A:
10.45
